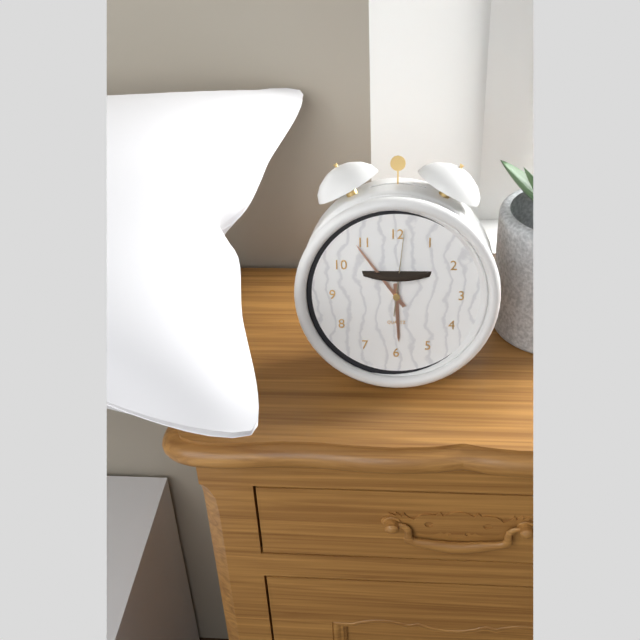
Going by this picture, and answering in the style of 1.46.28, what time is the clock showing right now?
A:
5.54.01
